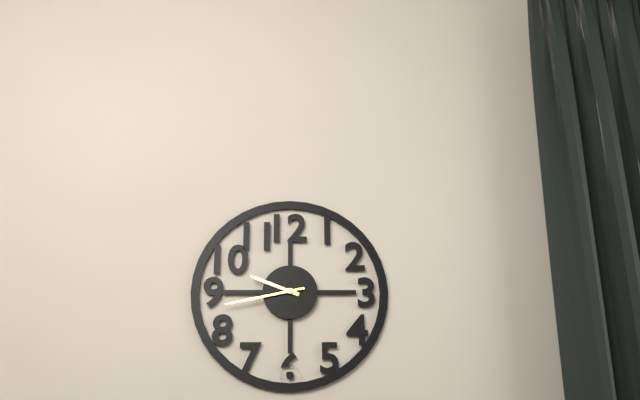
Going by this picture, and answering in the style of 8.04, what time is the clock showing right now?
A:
9.43
